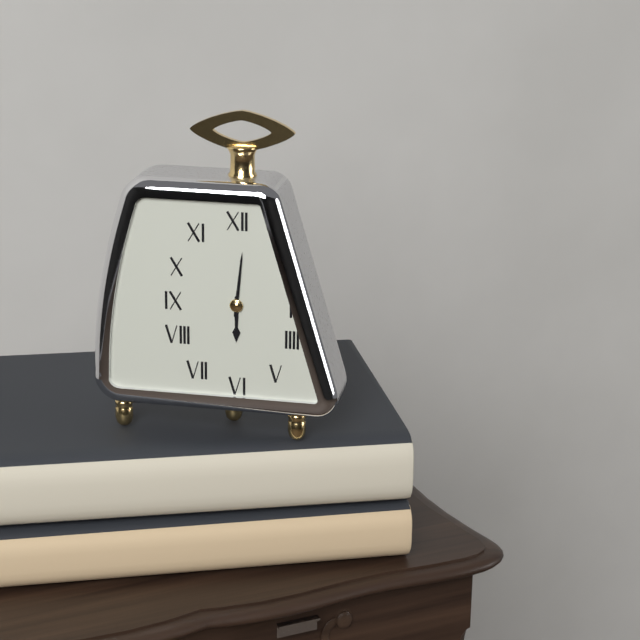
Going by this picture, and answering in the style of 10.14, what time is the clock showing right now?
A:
6.01
